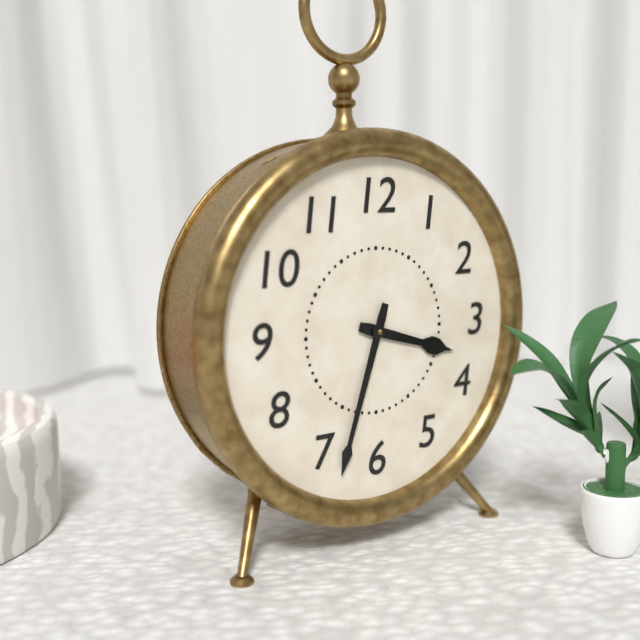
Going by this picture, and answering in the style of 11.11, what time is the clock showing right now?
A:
3.33
